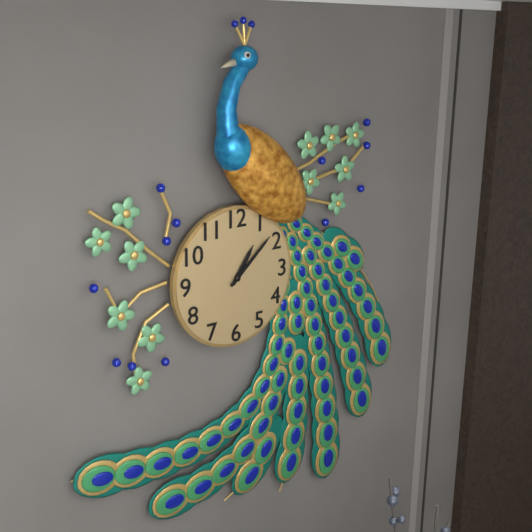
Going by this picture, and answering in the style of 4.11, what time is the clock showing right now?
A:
1.08
